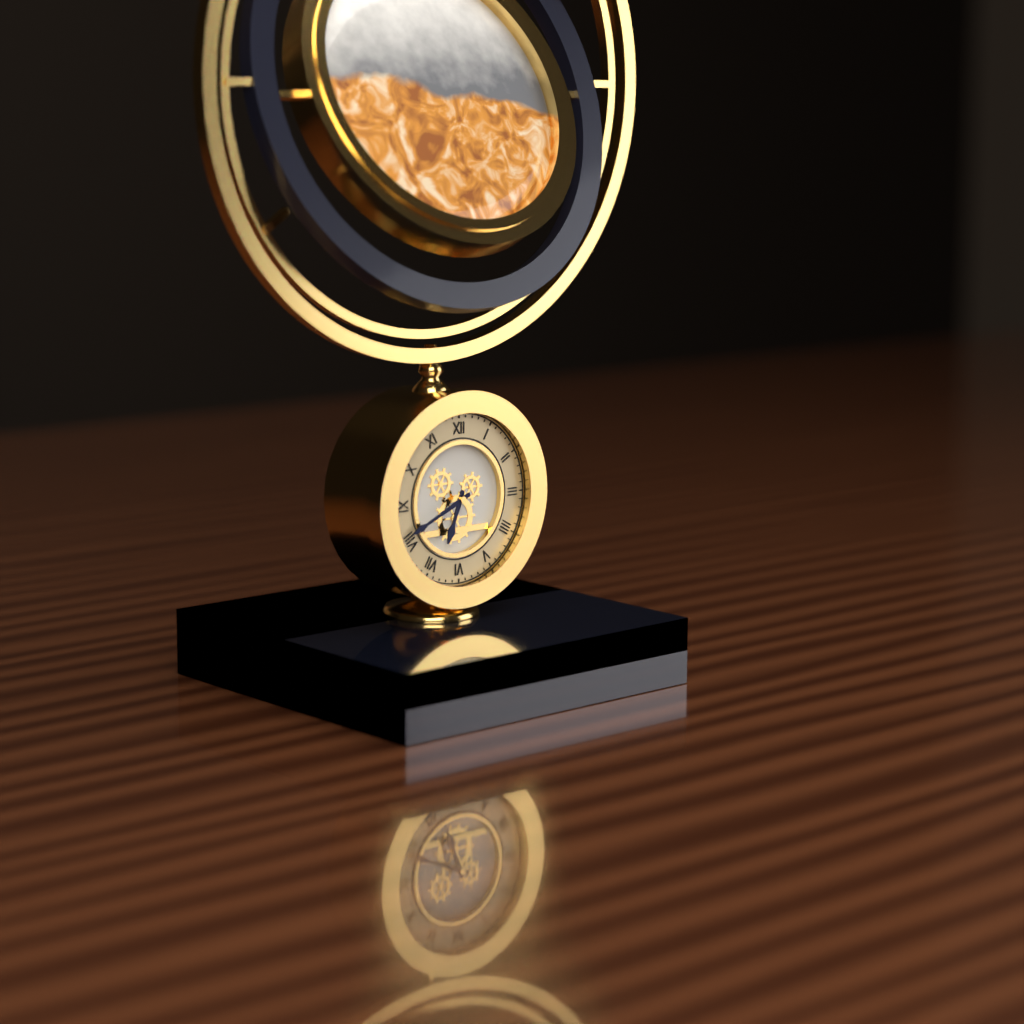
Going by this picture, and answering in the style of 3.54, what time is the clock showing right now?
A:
6.41
